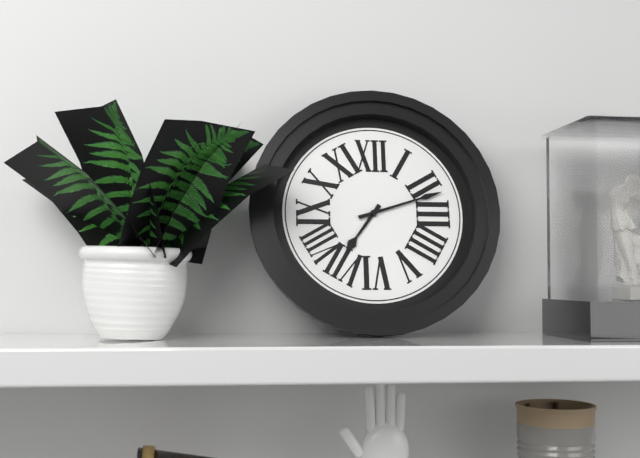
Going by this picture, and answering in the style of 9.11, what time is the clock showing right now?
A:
7.12
